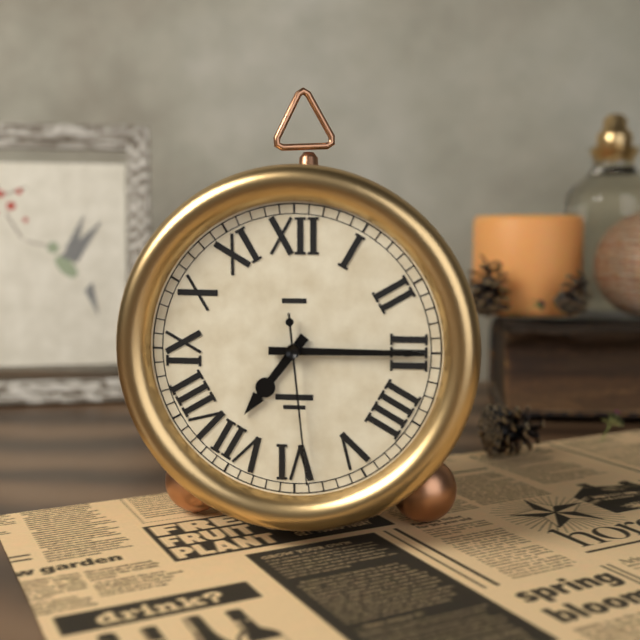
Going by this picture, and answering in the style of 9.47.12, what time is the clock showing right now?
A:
7.15.29
